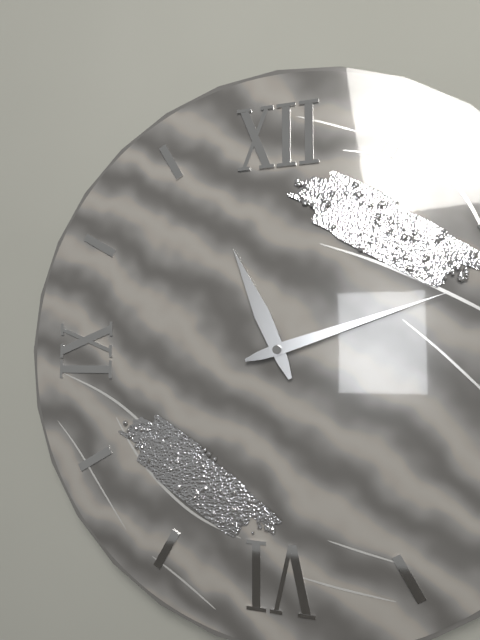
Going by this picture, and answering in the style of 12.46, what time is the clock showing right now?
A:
11.12
